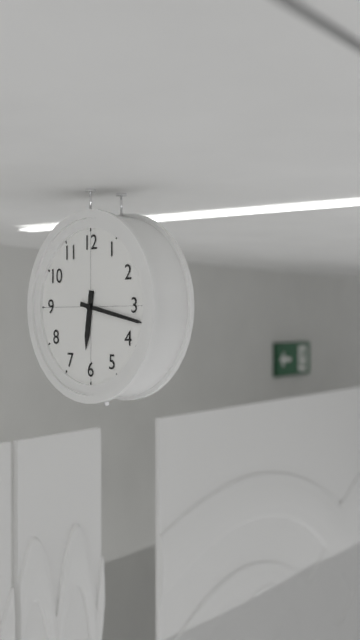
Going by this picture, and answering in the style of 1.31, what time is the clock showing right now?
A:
6.17
